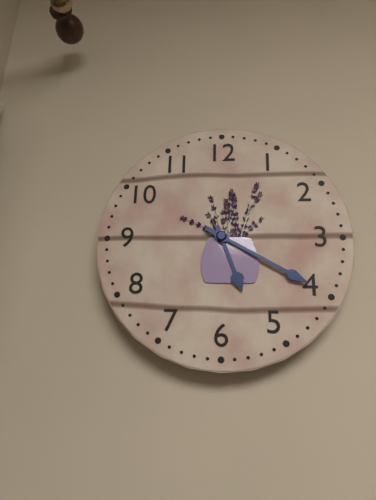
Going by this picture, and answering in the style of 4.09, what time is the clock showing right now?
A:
5.20
